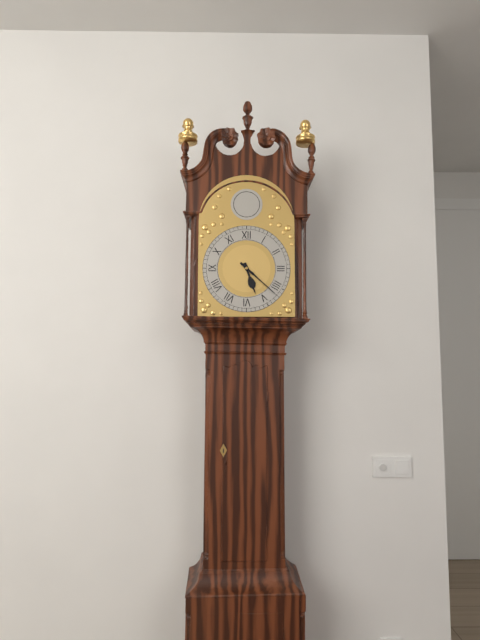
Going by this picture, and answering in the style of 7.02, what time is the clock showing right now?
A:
5.22
